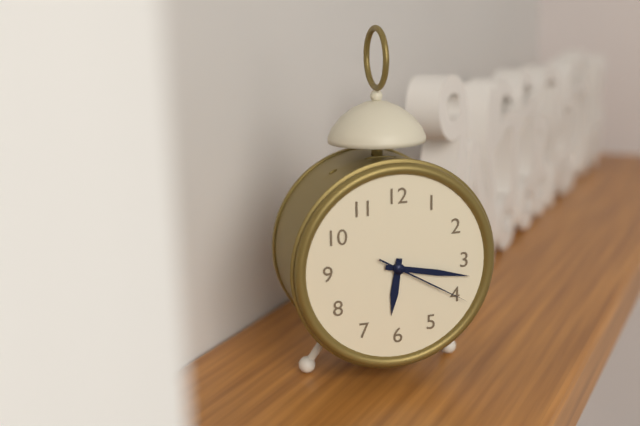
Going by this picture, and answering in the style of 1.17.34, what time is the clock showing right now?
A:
6.17.20
